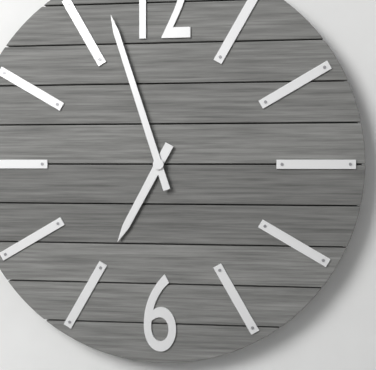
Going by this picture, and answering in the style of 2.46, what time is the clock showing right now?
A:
6.57
